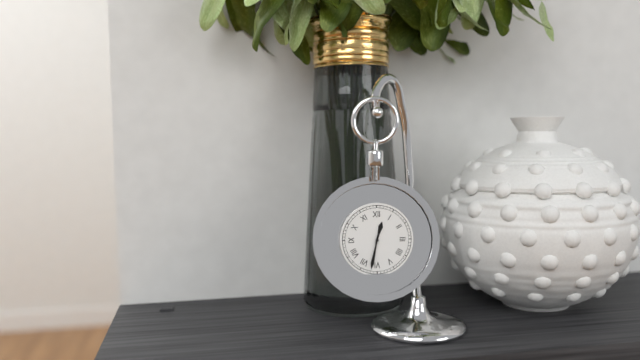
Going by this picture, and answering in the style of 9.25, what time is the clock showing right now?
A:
12.32
